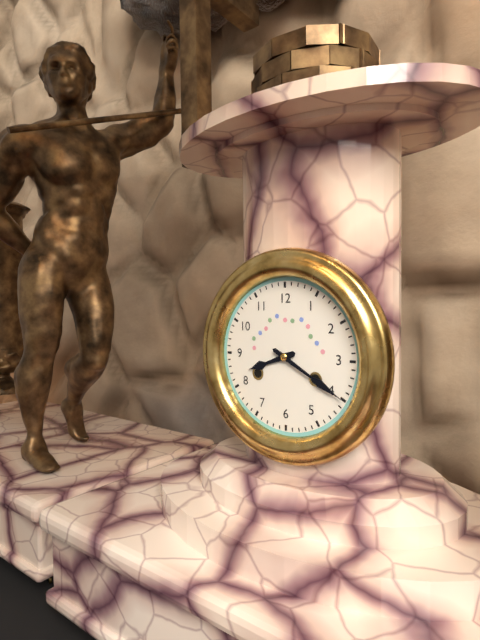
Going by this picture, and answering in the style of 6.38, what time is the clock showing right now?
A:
8.20
